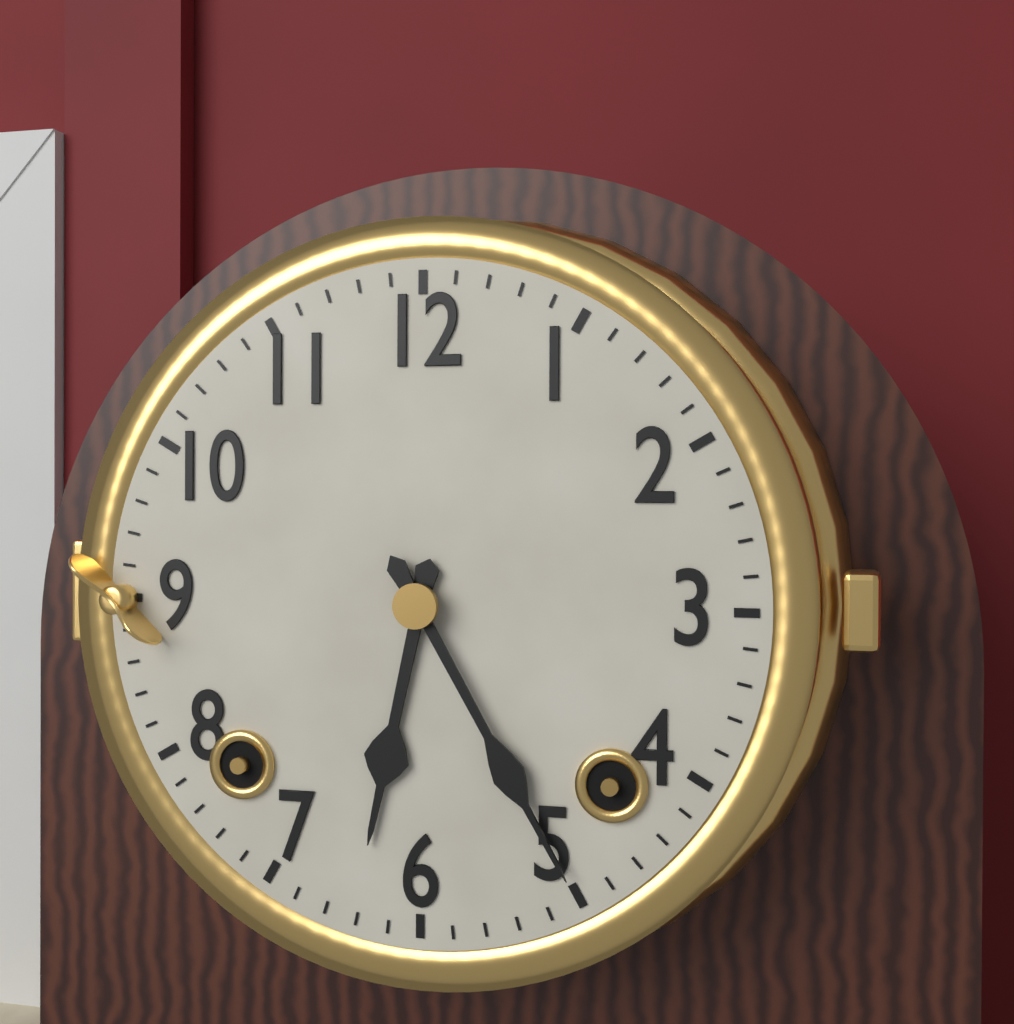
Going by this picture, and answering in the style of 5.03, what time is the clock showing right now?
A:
6.25
